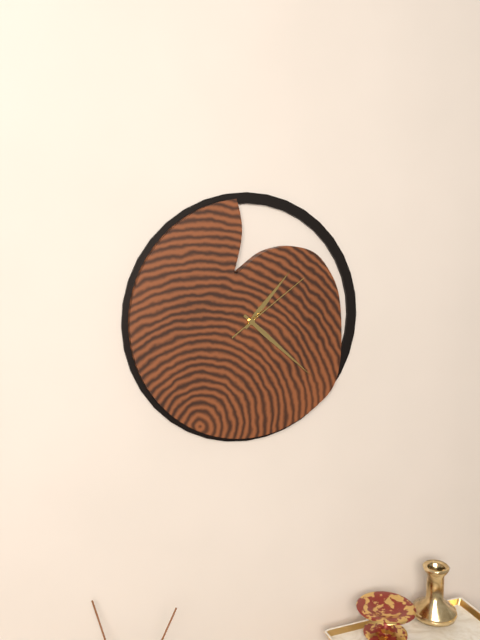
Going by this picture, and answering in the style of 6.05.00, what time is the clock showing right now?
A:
1.22.09
